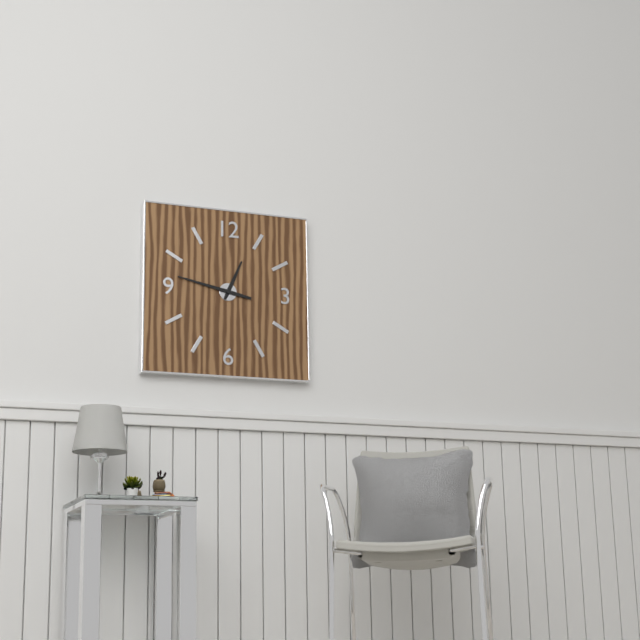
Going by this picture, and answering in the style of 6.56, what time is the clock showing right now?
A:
12.47
